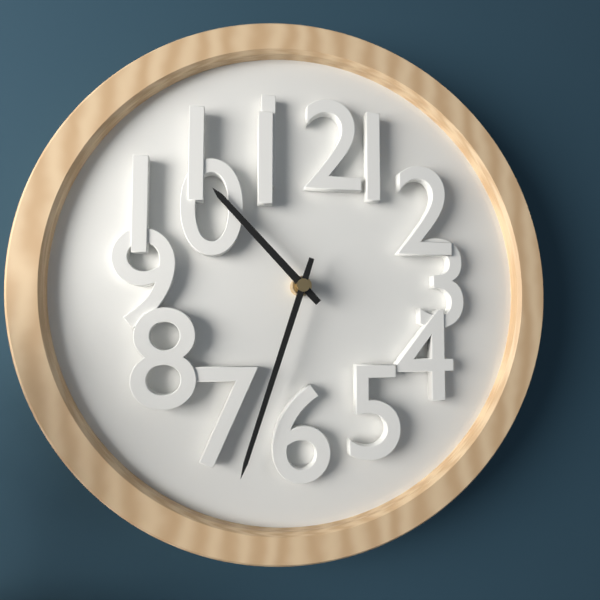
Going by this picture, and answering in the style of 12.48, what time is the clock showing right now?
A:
10.33
